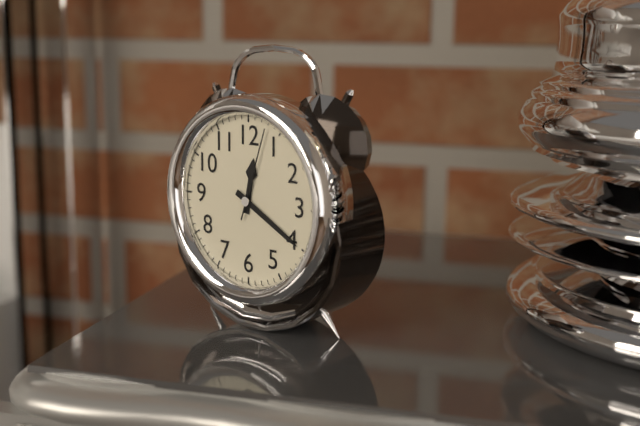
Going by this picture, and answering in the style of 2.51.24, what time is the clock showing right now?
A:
12.20.03
